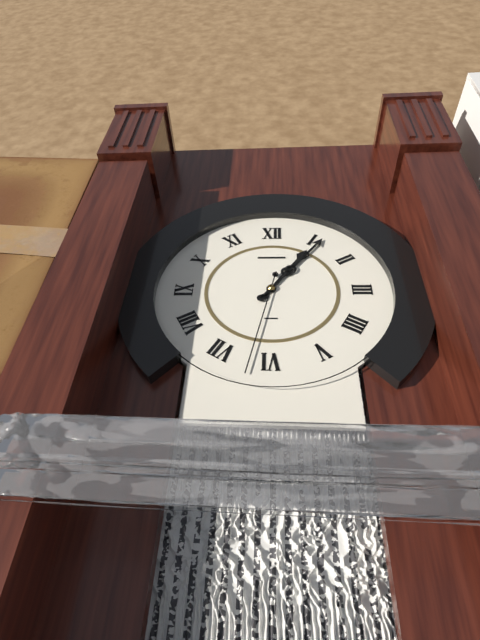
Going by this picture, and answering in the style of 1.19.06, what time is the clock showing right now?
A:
1.06.32
